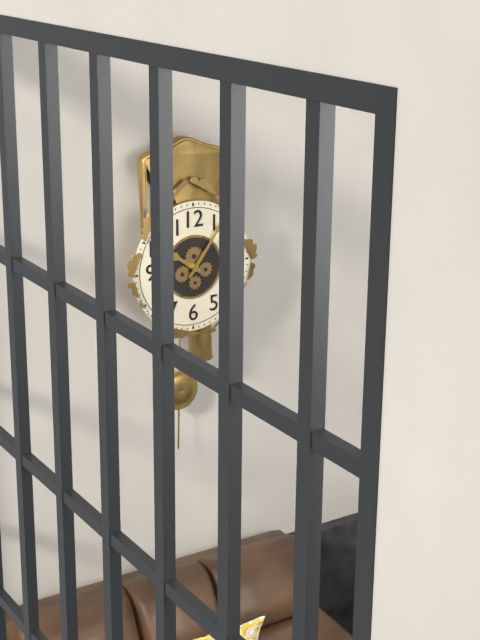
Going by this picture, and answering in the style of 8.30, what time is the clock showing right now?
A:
10.06
